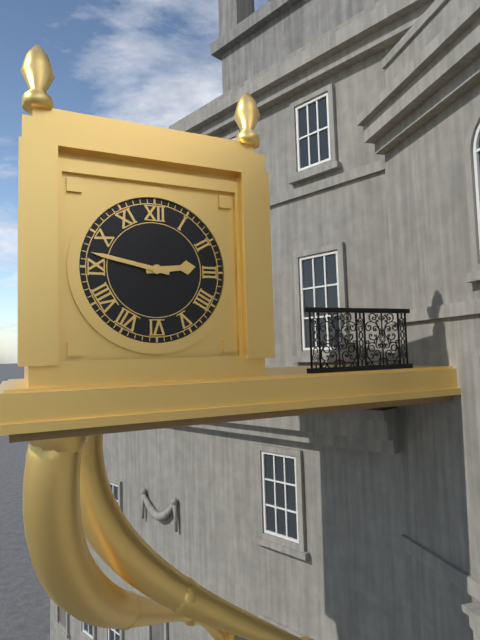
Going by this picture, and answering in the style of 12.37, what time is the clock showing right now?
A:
2.47
